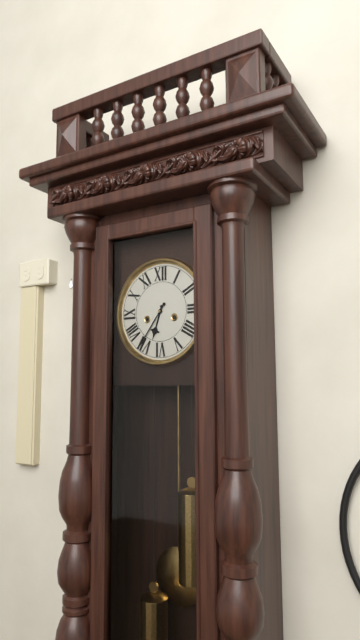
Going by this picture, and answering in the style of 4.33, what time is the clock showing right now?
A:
6.36
